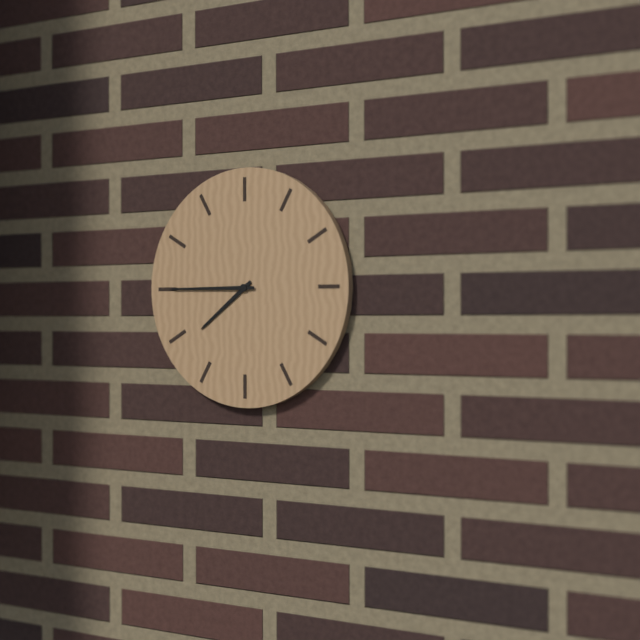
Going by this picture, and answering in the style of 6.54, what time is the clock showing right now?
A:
7.45
